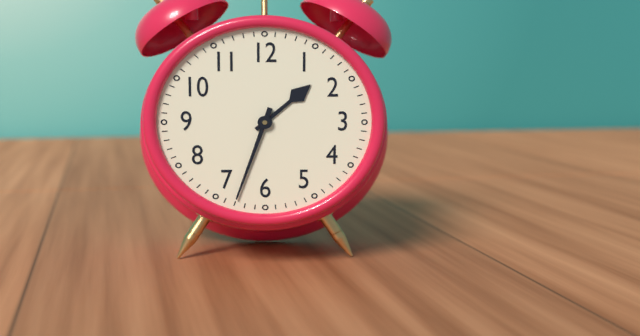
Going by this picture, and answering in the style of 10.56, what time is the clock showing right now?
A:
1.33
